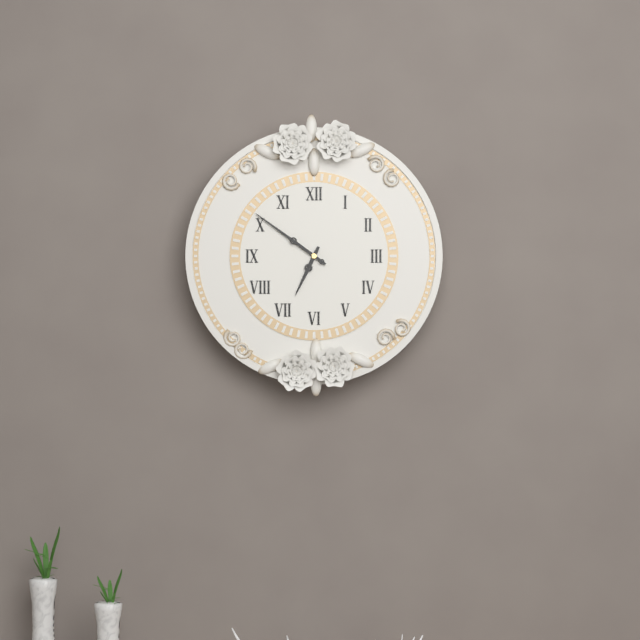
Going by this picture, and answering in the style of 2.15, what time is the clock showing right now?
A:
6.51
